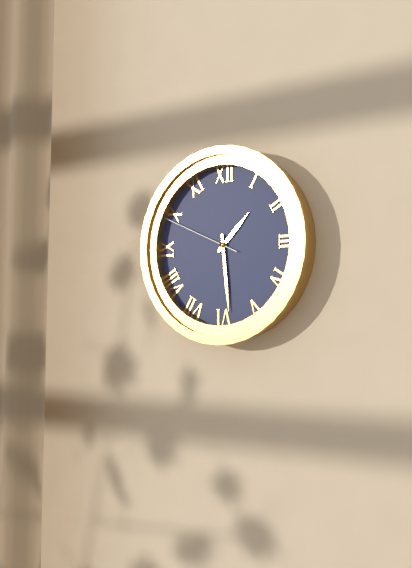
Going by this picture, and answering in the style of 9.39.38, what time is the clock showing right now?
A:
1.29.49
